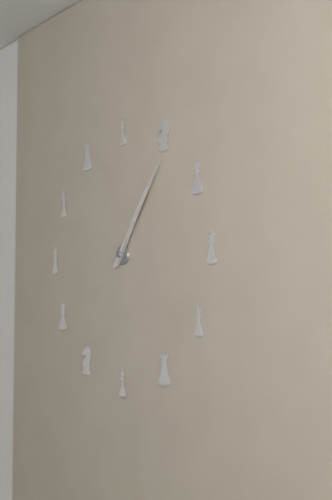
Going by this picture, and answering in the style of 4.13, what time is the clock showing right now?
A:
1.06
